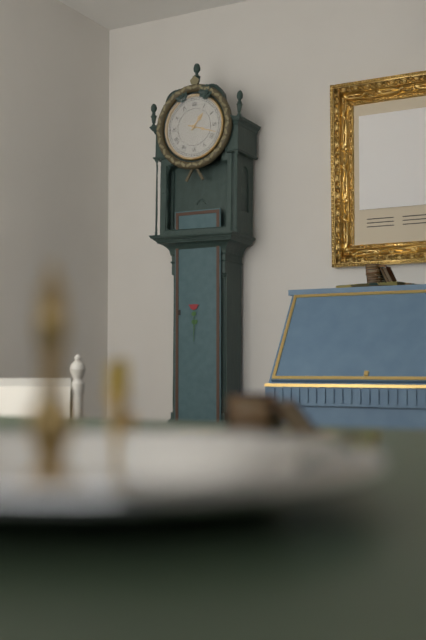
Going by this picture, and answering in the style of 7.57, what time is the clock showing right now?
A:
1.18
